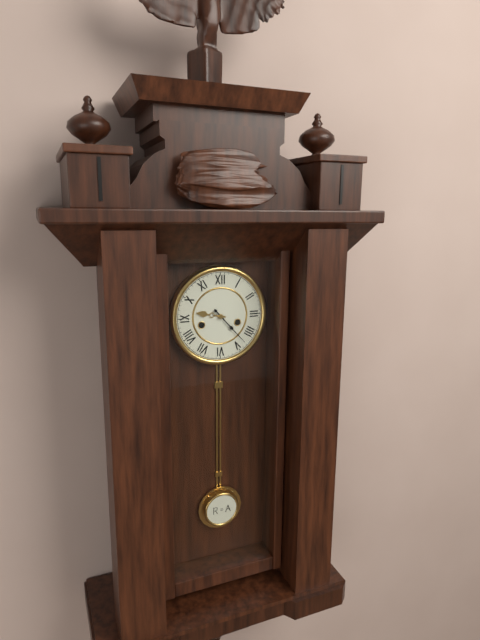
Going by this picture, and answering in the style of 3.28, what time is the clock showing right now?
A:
9.23
